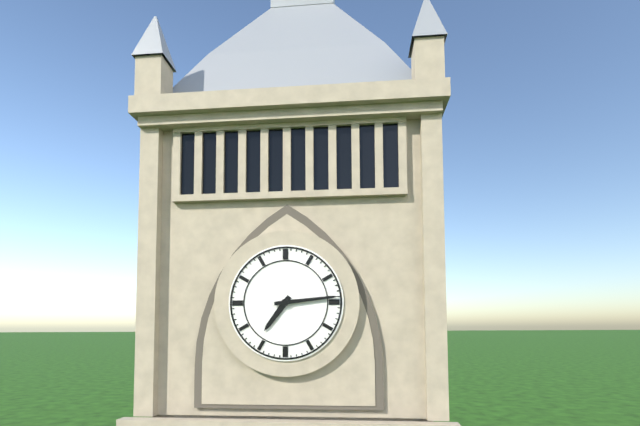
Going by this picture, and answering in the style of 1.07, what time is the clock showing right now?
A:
7.14
